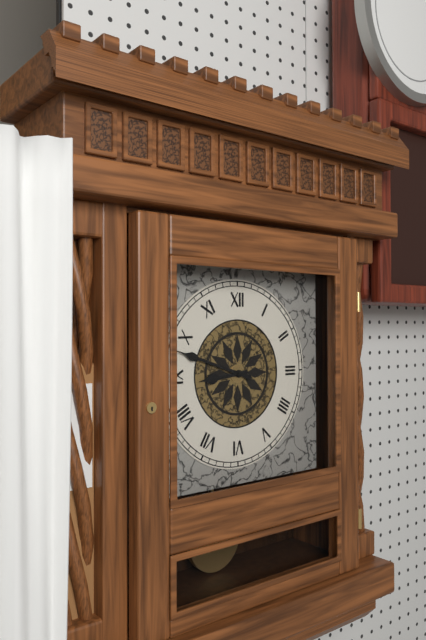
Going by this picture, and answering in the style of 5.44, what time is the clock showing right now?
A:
8.48
